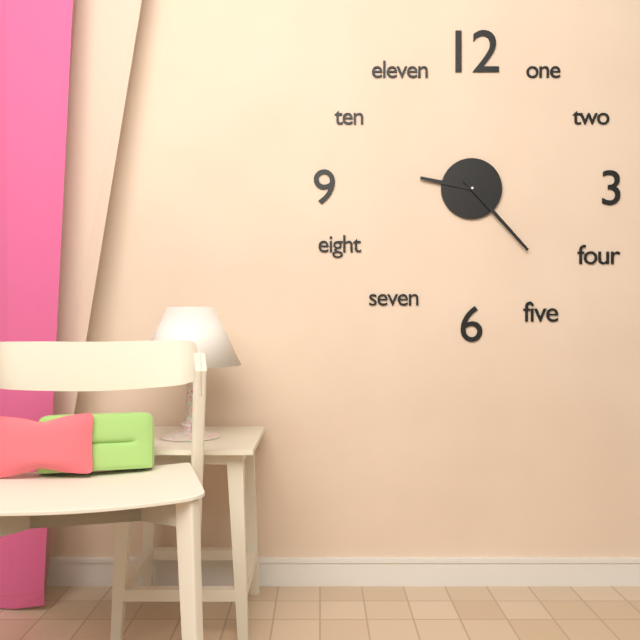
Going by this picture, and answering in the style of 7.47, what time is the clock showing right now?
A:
9.23
